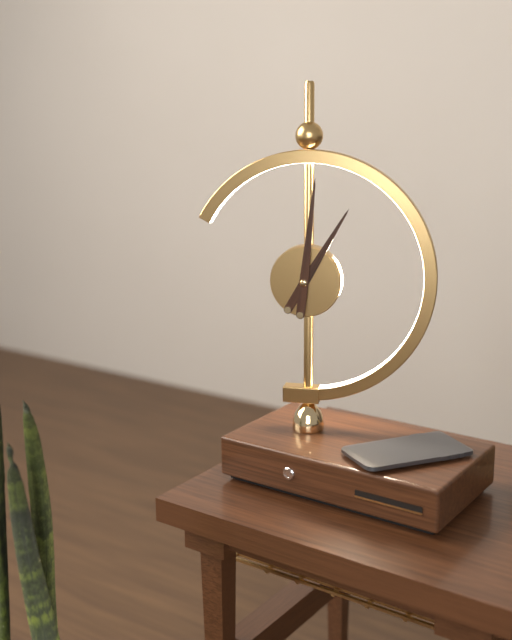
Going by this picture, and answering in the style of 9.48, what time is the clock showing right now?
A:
1.01
